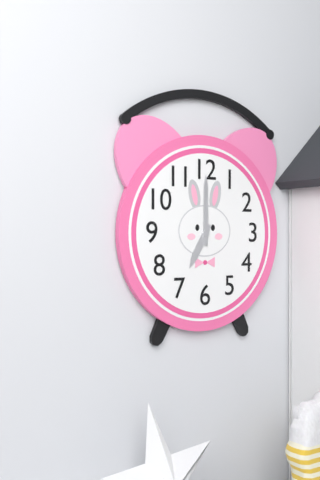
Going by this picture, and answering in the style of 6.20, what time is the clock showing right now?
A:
7.00
